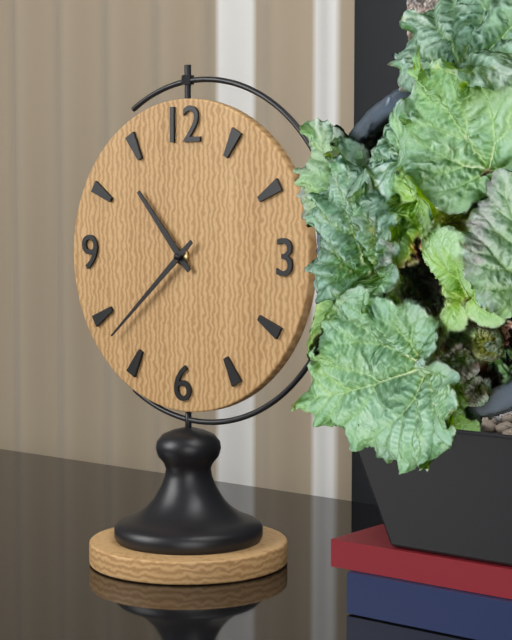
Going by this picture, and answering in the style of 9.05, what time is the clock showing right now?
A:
10.38
